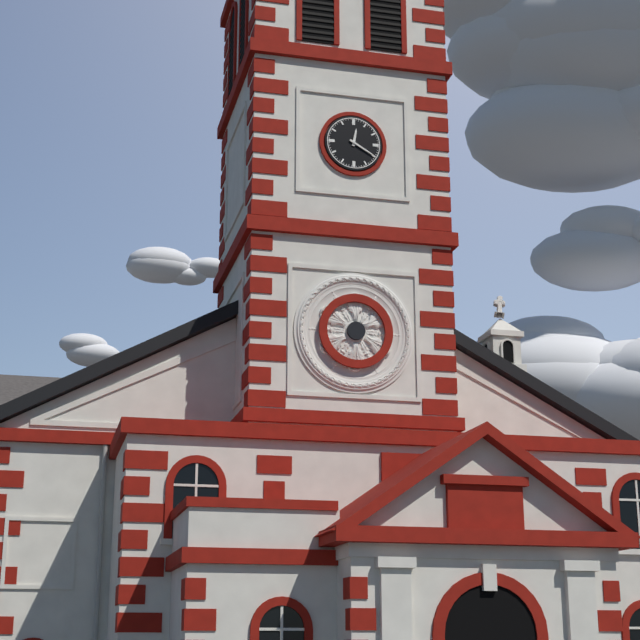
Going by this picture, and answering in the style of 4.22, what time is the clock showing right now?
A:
12.20
